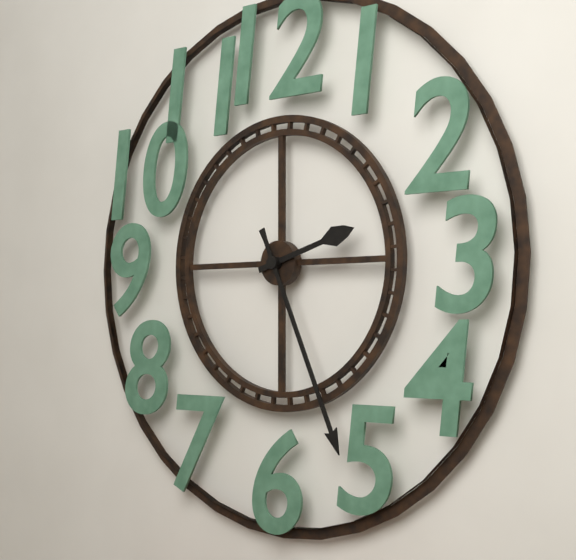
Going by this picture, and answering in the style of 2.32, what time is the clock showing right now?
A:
2.26
